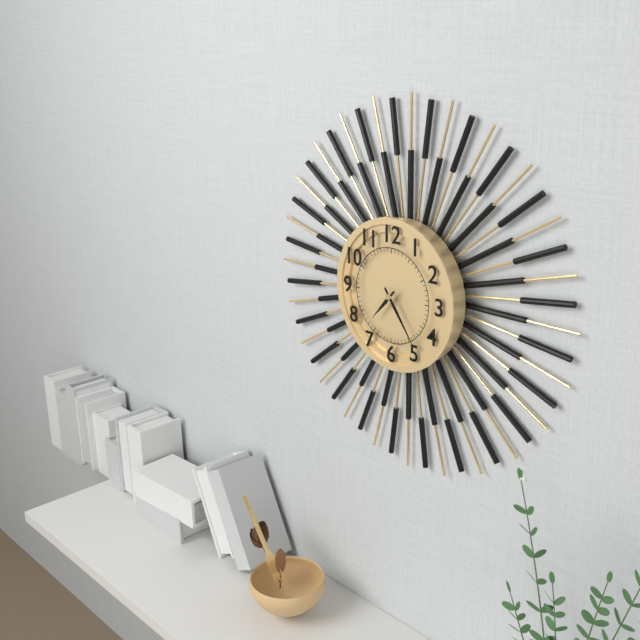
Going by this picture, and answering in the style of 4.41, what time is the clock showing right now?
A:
7.24
